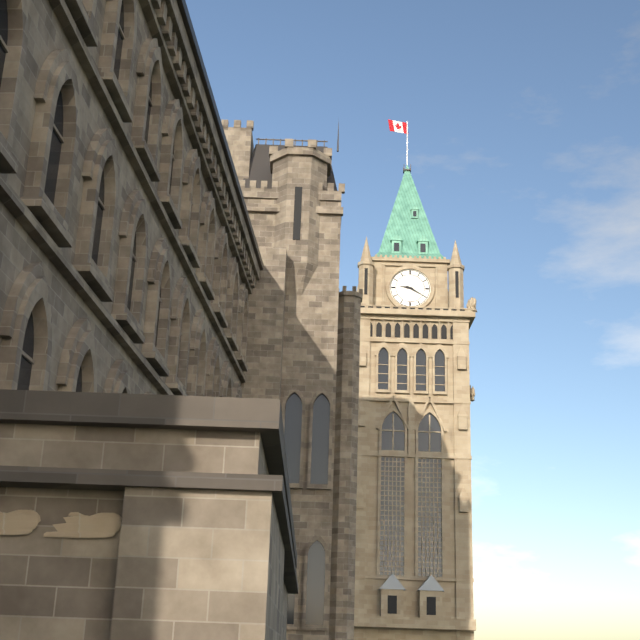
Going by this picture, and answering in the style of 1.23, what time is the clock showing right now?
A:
9.20
